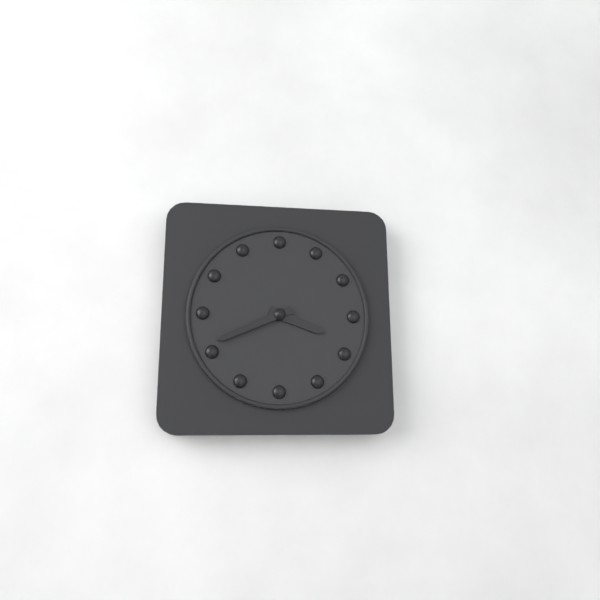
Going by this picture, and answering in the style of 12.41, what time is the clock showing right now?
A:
3.41
